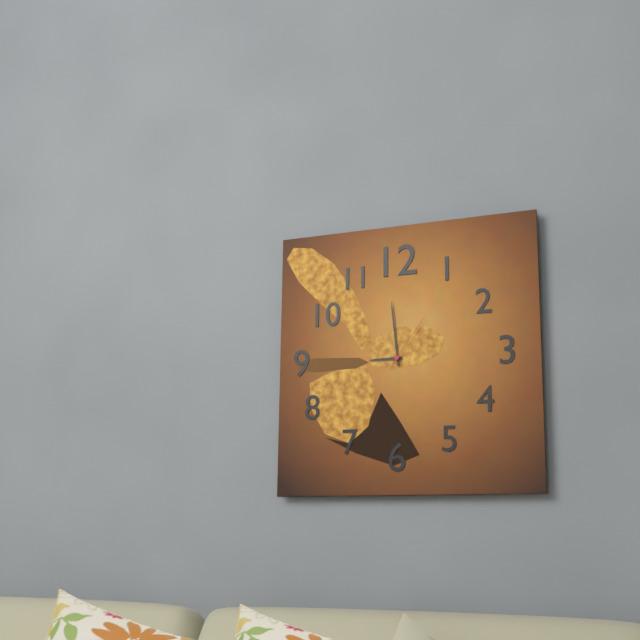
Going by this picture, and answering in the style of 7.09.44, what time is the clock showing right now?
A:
8.59.06
